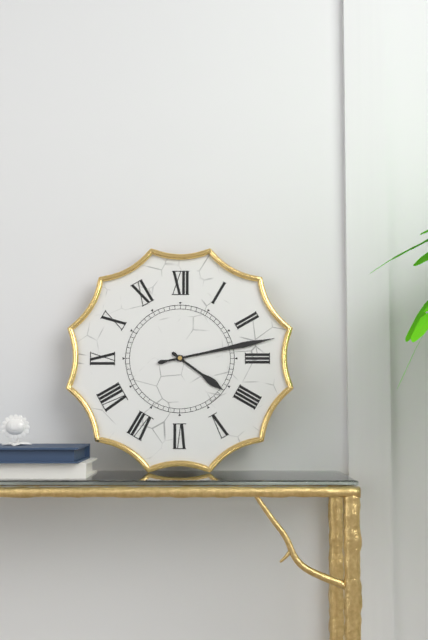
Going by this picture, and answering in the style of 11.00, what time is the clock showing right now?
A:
4.13
